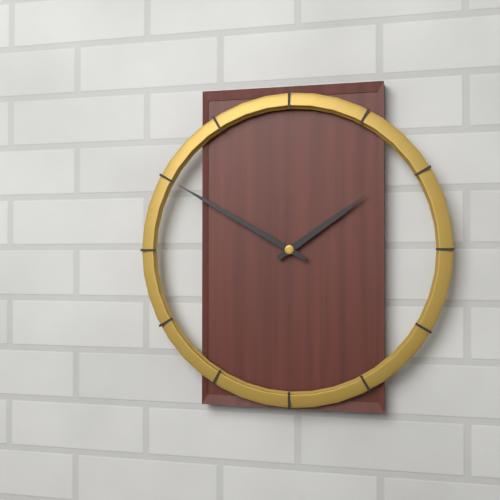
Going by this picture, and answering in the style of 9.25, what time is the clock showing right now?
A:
1.50
